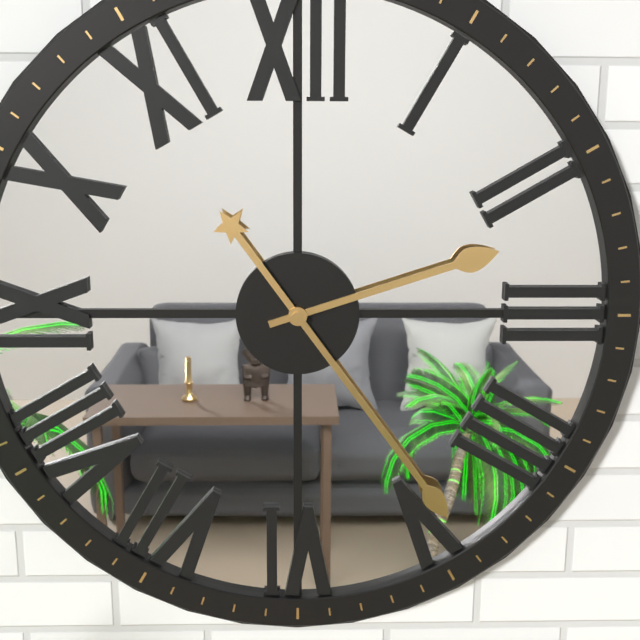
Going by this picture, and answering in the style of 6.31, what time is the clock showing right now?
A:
2.24
